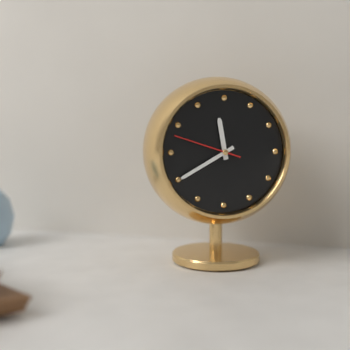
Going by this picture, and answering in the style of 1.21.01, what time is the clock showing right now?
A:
11.40.48
